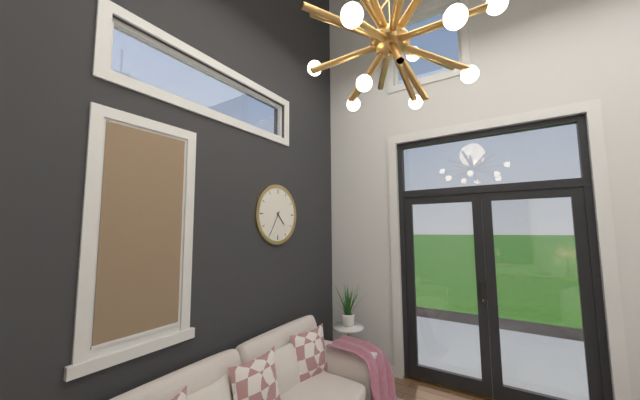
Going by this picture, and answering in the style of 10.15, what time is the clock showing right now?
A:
4.35
